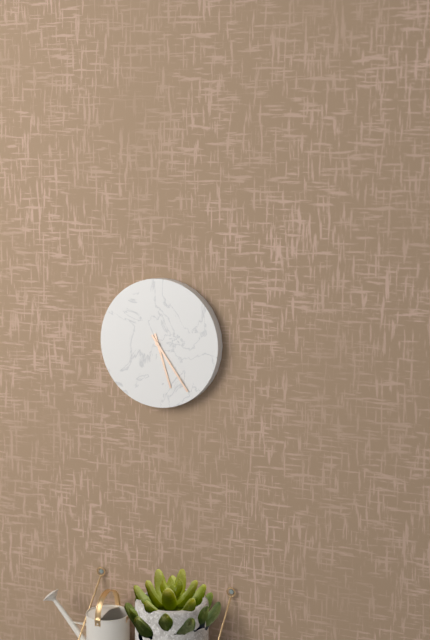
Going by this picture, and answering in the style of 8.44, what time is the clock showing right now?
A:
5.24
